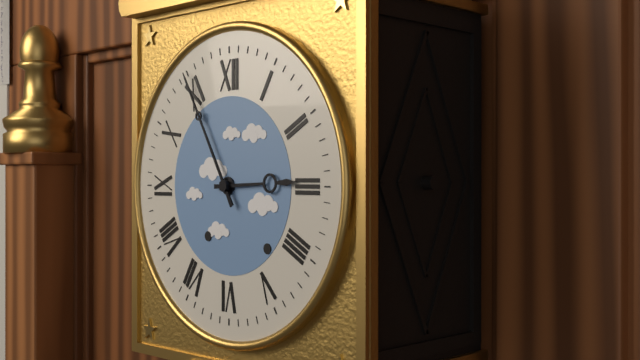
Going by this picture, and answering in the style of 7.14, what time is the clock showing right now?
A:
2.55
